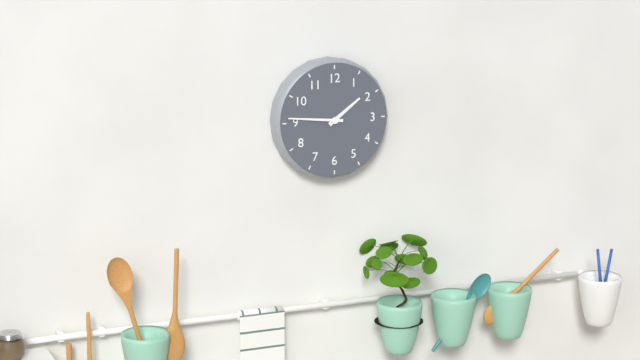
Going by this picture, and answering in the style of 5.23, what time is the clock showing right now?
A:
1.46
